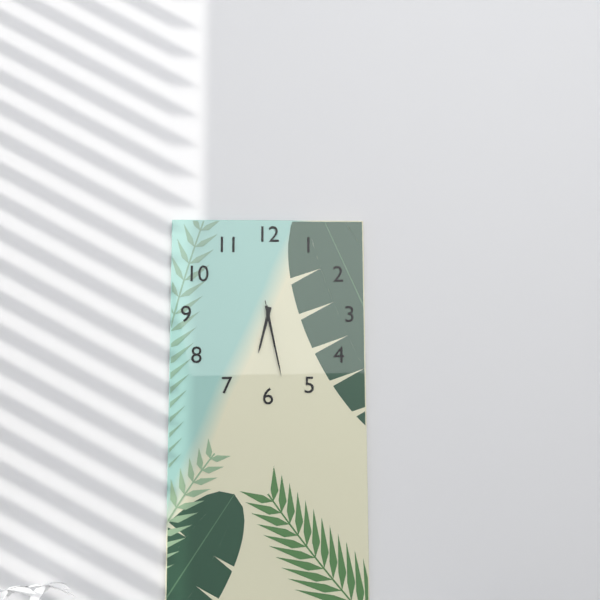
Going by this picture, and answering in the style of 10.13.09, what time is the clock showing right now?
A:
6.28.28
